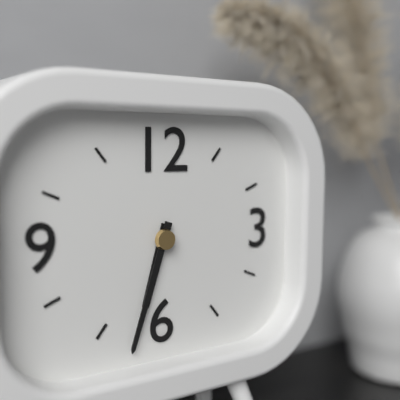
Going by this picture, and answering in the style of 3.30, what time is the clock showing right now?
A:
6.33
